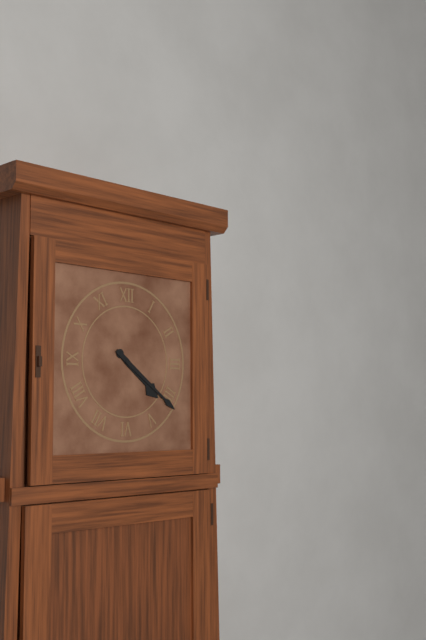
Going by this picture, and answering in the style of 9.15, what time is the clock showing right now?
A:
4.21
